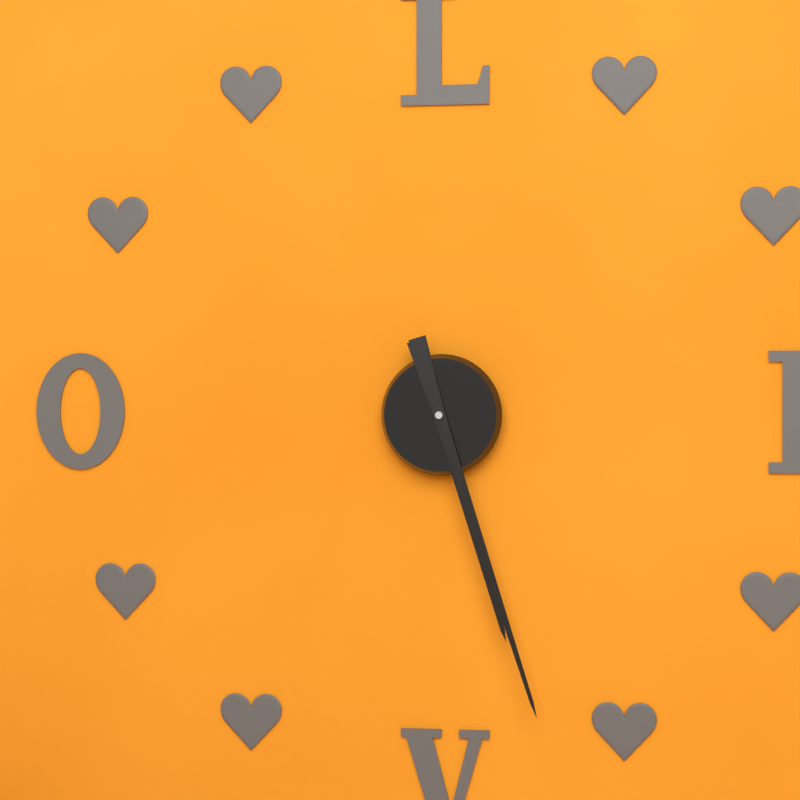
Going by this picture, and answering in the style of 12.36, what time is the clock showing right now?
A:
5.27
